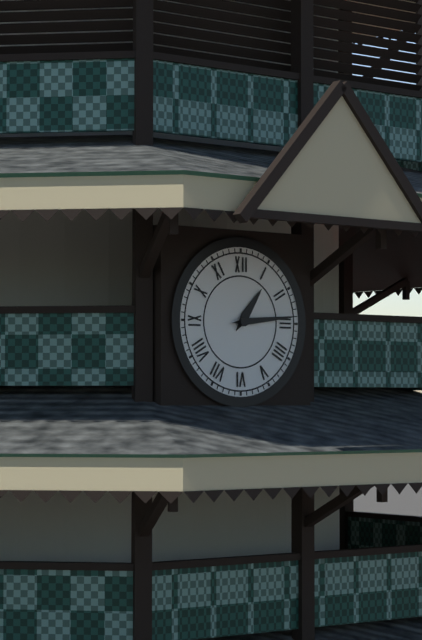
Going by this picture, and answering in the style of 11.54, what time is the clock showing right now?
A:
1.14
